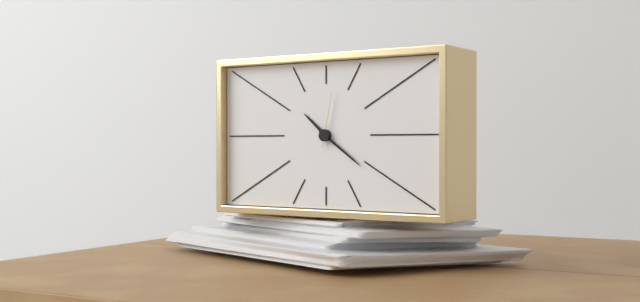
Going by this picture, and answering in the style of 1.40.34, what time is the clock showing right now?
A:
10.21.02
